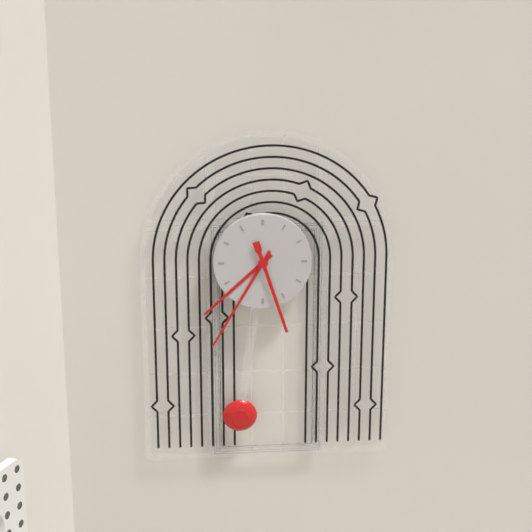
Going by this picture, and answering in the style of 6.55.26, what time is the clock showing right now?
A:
7.35.27
